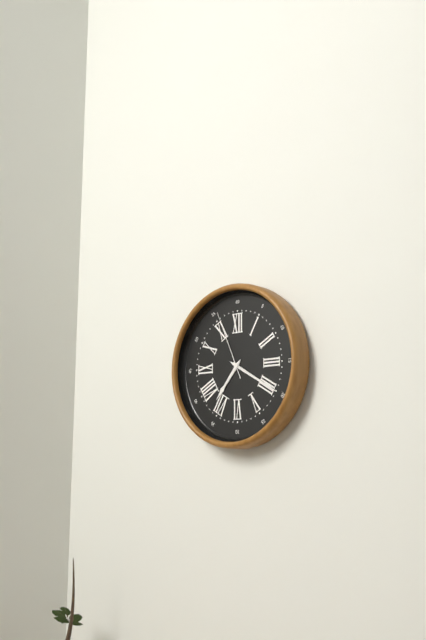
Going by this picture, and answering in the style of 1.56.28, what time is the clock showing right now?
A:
7.20.56
